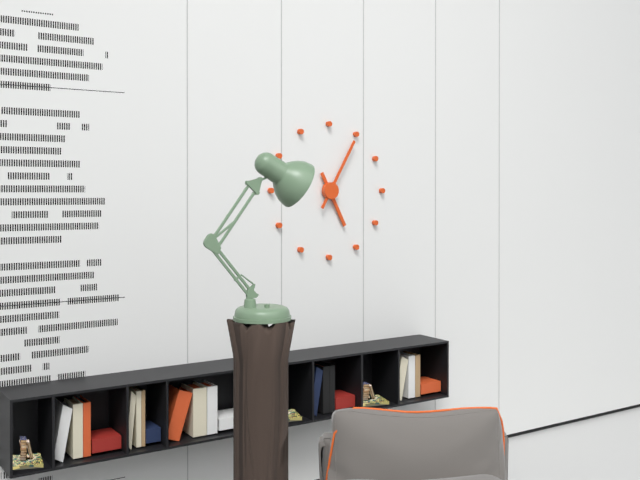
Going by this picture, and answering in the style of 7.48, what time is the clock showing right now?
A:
5.05
